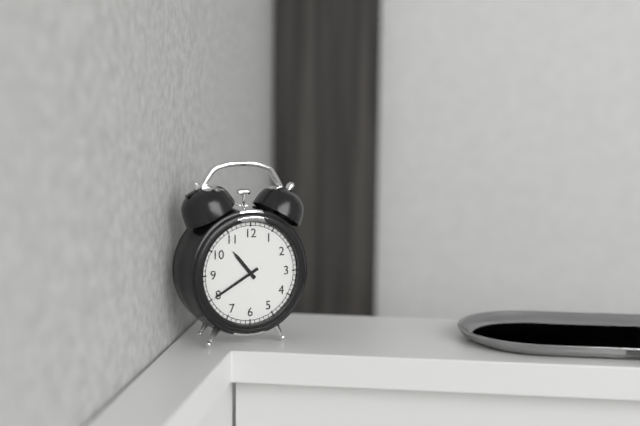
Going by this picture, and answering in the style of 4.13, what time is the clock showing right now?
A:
10.40
